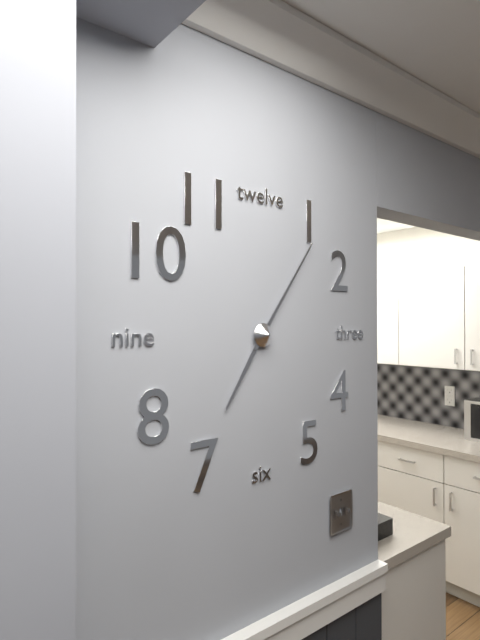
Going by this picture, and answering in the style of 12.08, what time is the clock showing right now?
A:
7.06
